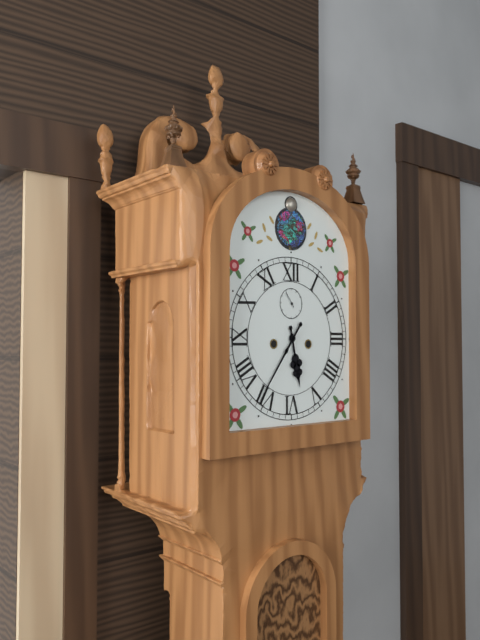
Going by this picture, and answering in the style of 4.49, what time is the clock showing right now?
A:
5.36
